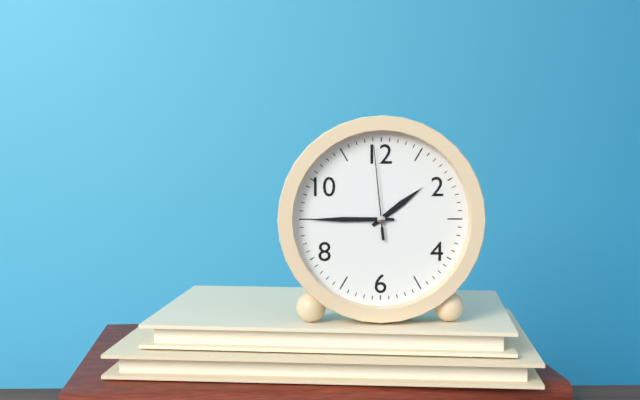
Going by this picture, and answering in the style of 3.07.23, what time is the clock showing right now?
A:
1.45.59
